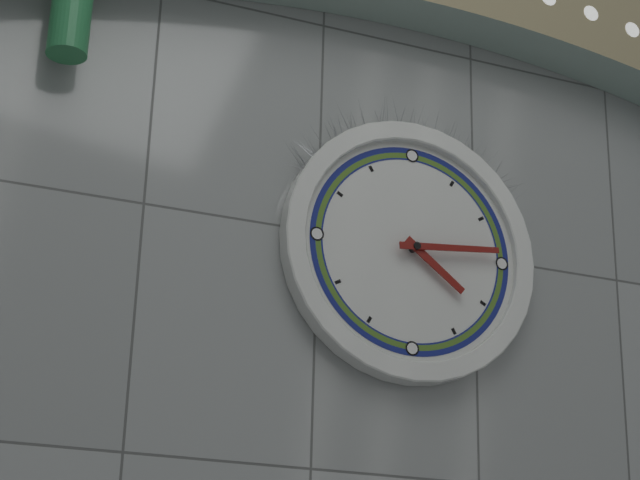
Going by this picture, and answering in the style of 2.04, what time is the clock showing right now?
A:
4.14
